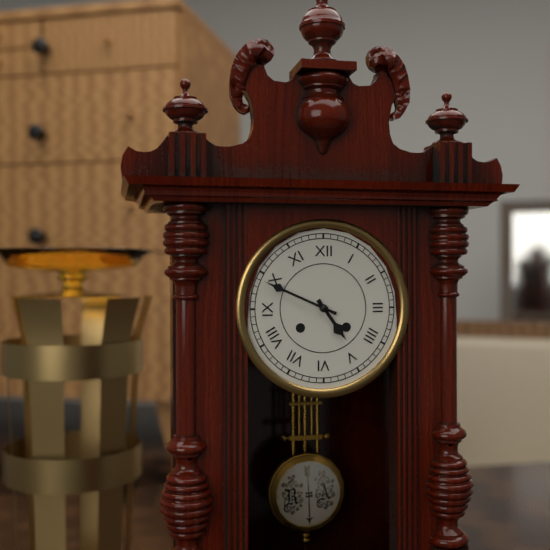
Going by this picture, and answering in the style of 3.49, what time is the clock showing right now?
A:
4.49
